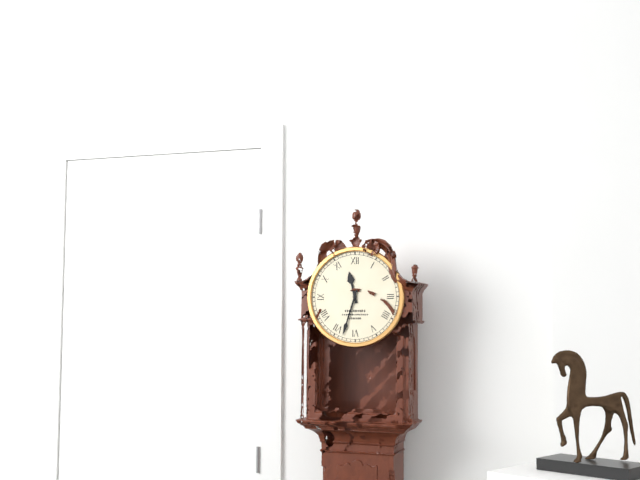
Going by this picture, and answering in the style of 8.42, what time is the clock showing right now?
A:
11.33
